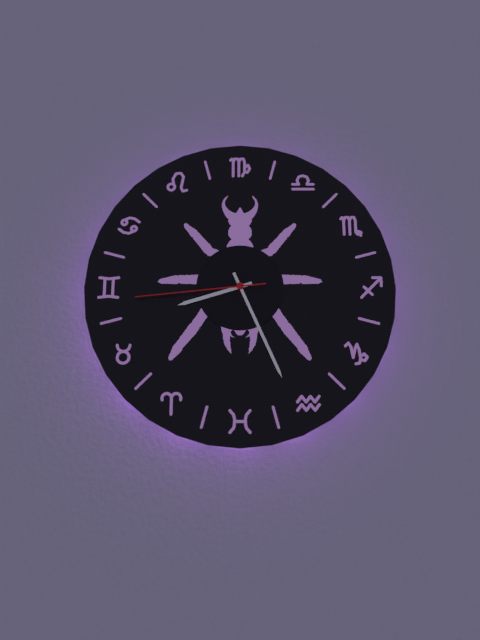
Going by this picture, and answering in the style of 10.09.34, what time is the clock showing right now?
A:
8.26.44
